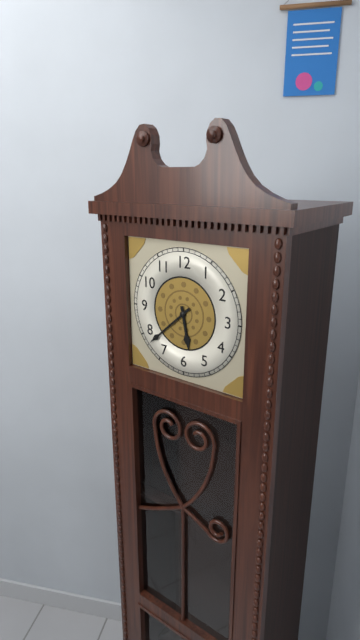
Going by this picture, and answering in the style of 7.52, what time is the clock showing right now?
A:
5.38
